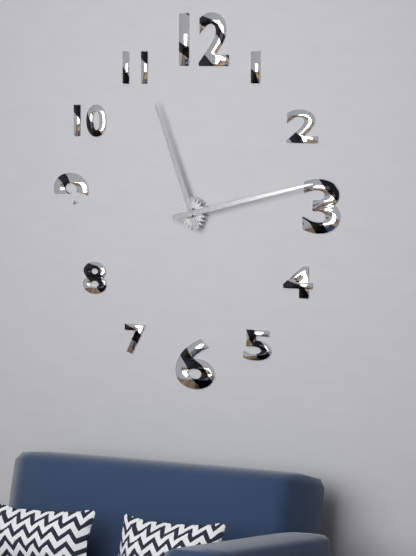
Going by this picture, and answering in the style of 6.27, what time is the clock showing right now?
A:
11.13
